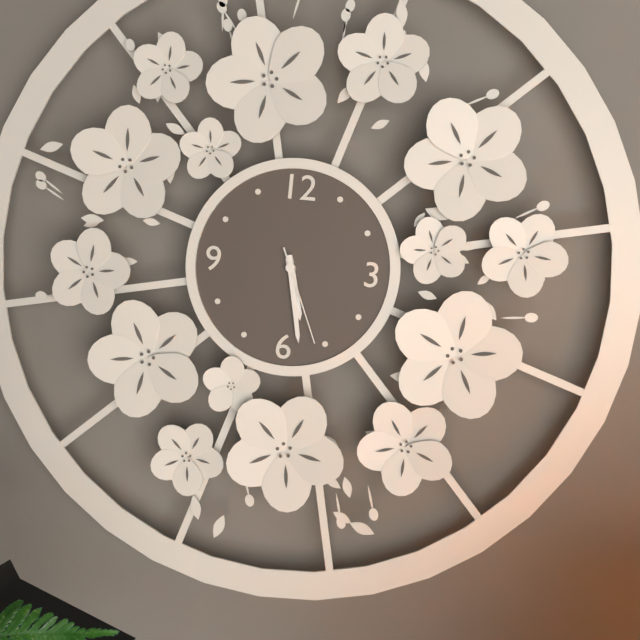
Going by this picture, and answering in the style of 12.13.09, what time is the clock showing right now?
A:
5.28.26
